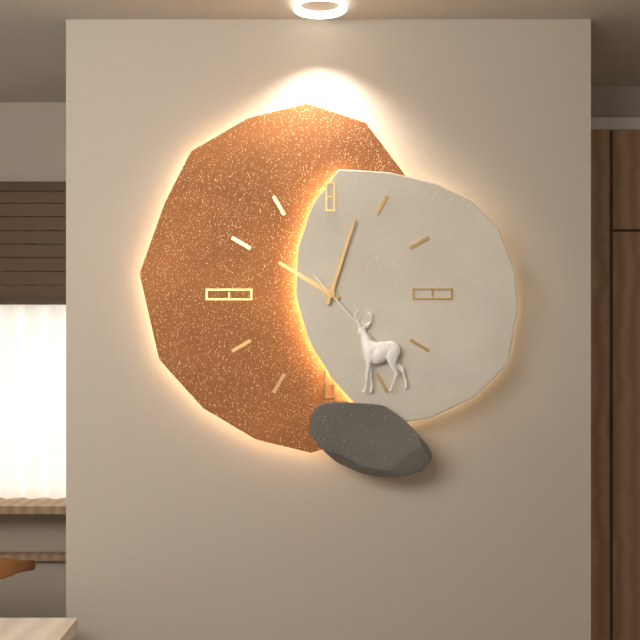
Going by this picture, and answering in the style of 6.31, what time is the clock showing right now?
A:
10.03
